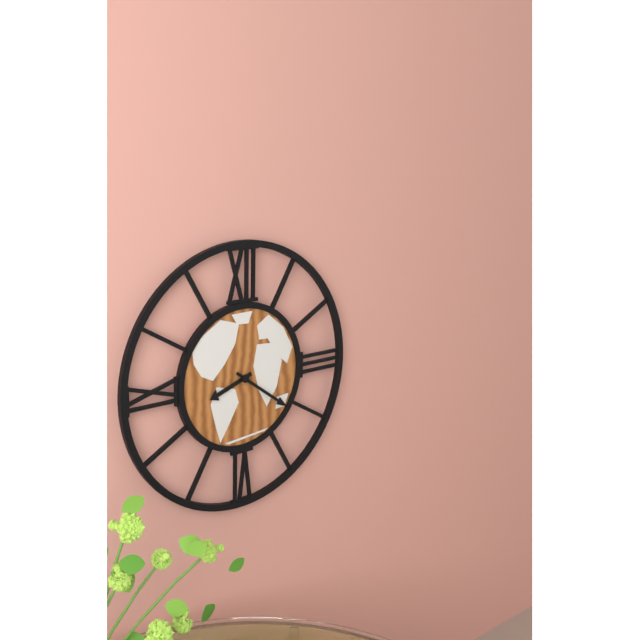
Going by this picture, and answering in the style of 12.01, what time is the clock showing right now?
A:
8.21
